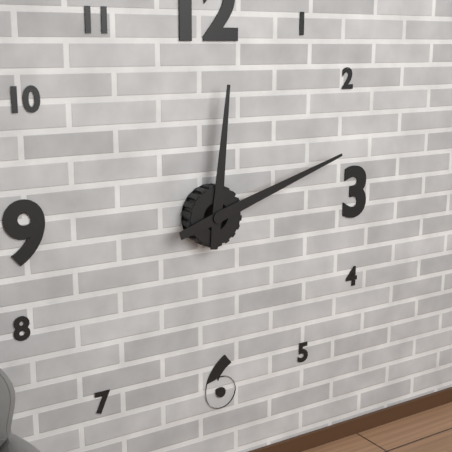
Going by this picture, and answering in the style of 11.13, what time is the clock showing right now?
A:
12.12
